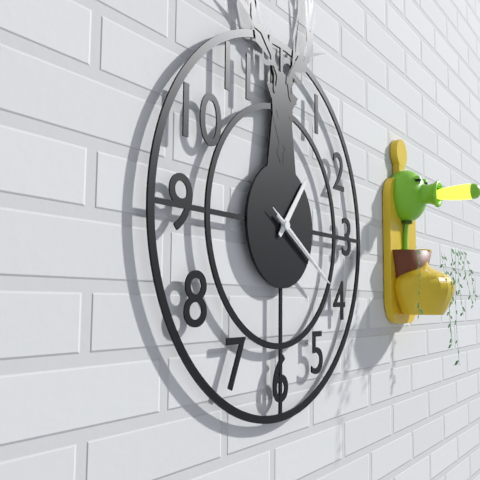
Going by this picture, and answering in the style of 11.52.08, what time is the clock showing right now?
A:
1.20.20
